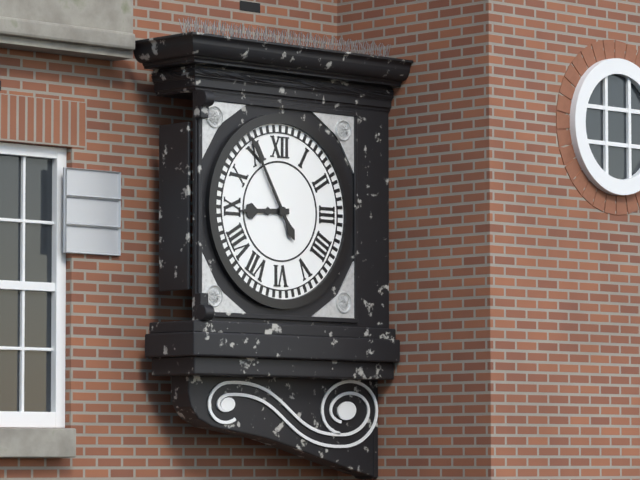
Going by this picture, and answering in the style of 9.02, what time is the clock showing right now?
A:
8.55
